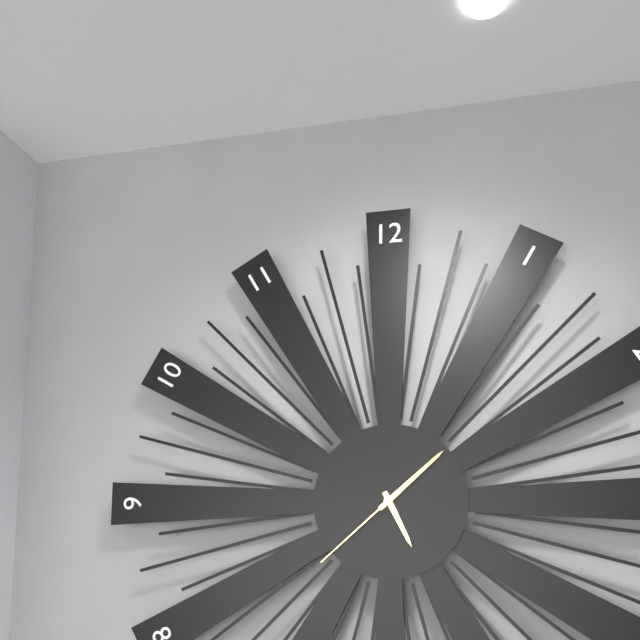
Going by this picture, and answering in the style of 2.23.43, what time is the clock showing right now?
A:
5.08.38
